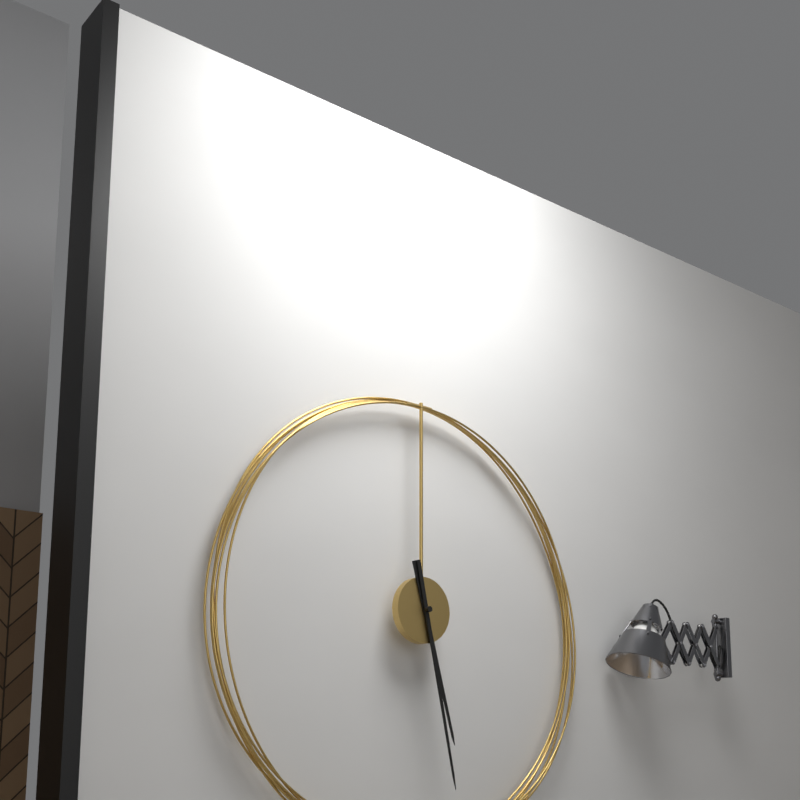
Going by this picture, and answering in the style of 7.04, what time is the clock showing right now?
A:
5.28
